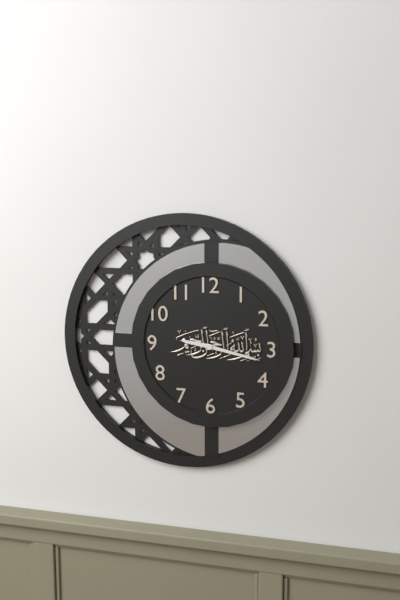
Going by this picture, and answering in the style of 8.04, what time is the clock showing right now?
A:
9.17
